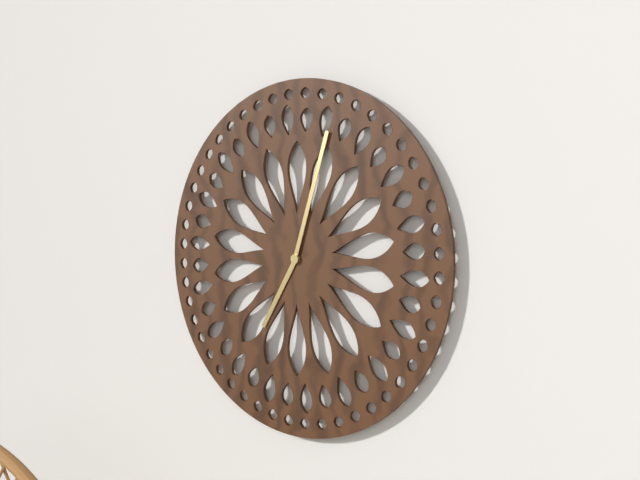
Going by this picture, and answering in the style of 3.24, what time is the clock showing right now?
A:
7.03
